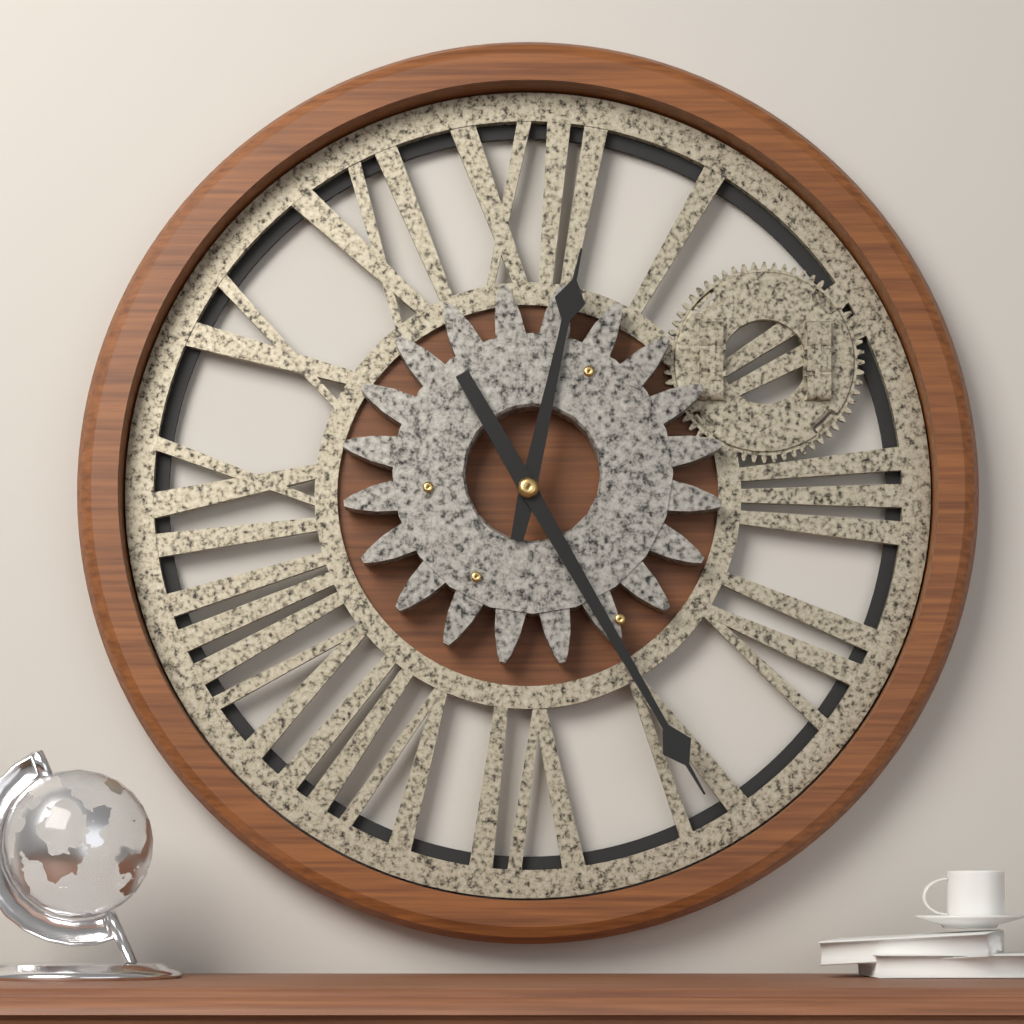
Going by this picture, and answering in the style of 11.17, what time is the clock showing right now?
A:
12.25
